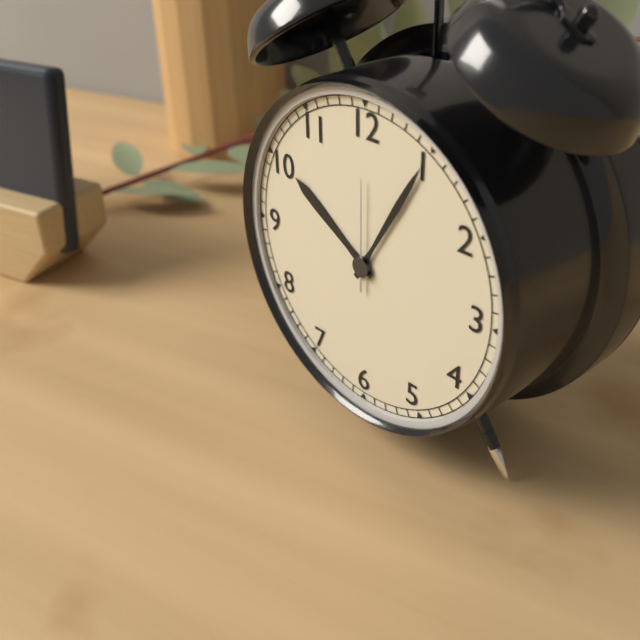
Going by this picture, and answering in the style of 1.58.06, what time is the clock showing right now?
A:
10.05.00
